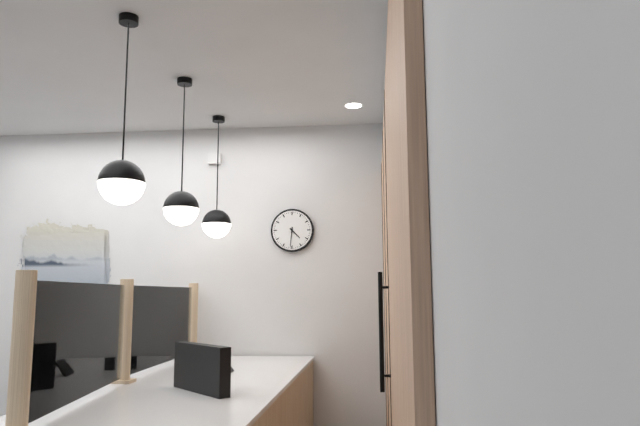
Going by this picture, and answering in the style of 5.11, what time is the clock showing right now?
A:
4.31
